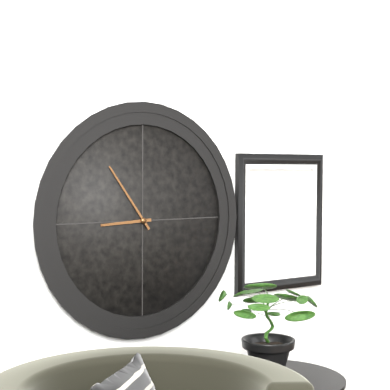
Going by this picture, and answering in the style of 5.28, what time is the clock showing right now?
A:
8.54
